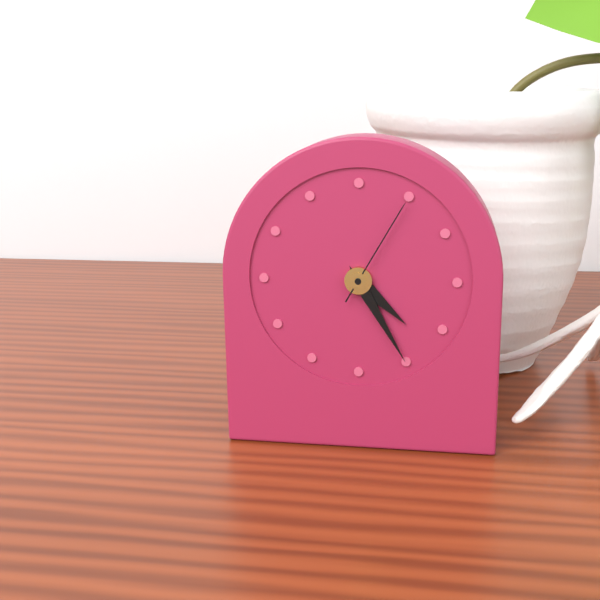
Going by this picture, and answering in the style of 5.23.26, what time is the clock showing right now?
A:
4.25.05
